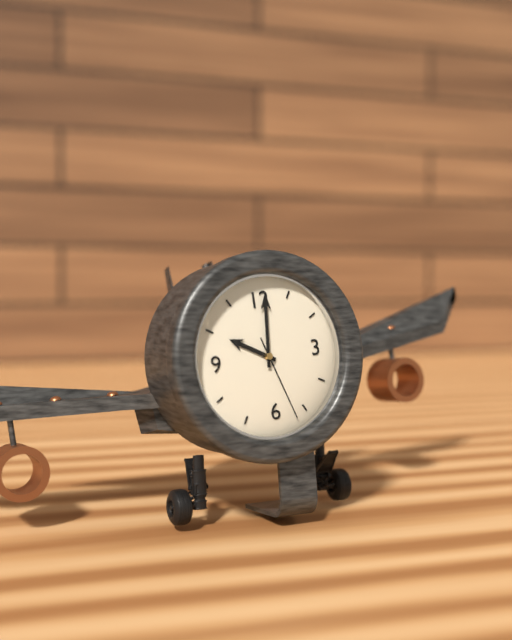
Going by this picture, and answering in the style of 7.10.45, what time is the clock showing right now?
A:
10.01.27
